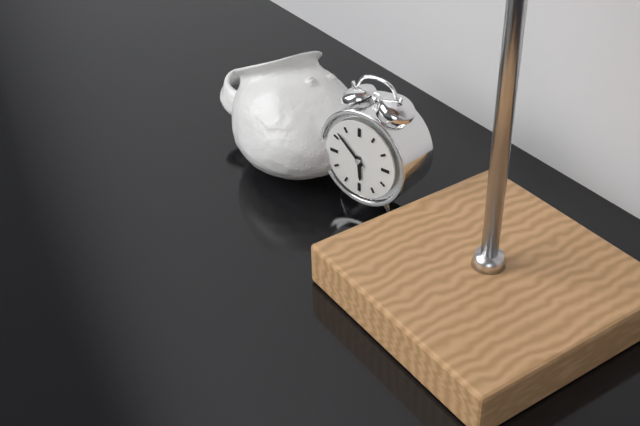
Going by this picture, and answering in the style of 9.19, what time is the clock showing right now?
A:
5.52
